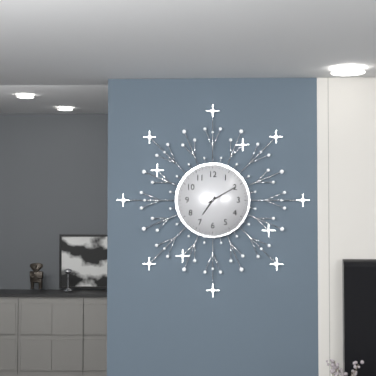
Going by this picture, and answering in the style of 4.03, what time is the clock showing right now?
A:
7.10
